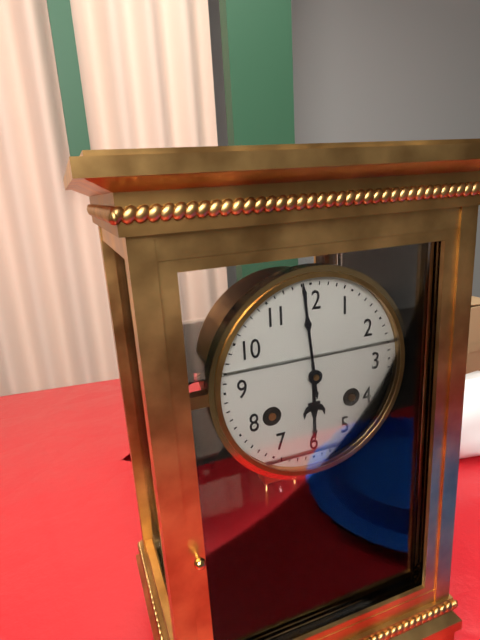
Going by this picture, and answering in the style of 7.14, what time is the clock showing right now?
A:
5.59
